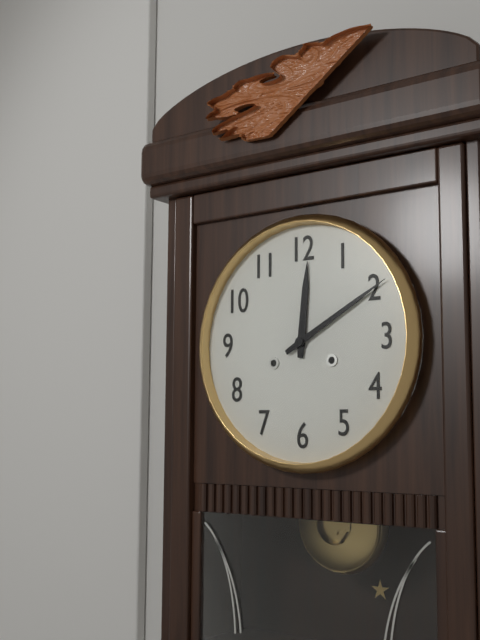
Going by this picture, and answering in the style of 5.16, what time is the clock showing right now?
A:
12.10
